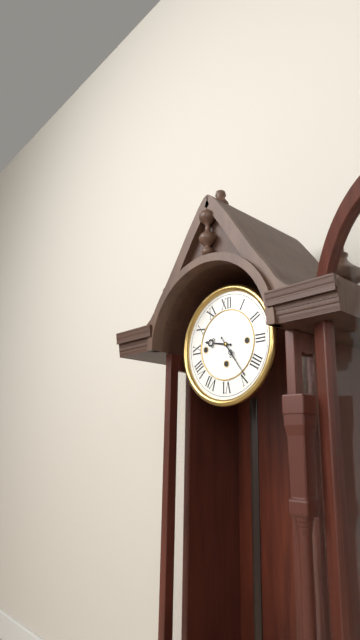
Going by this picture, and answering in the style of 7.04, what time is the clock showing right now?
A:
9.24
